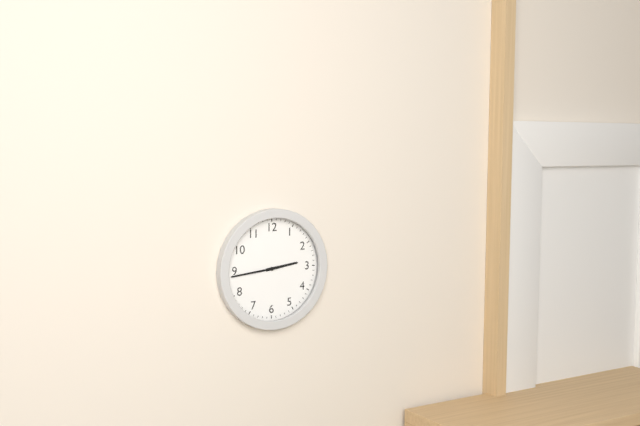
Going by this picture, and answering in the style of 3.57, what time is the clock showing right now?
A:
2.44
